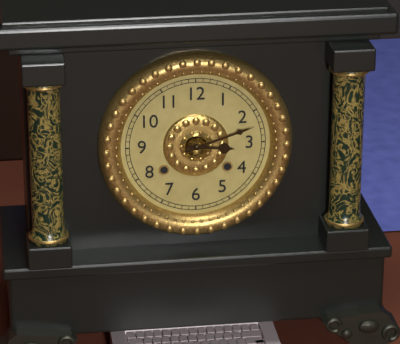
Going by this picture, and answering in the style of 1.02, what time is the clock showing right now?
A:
3.12
